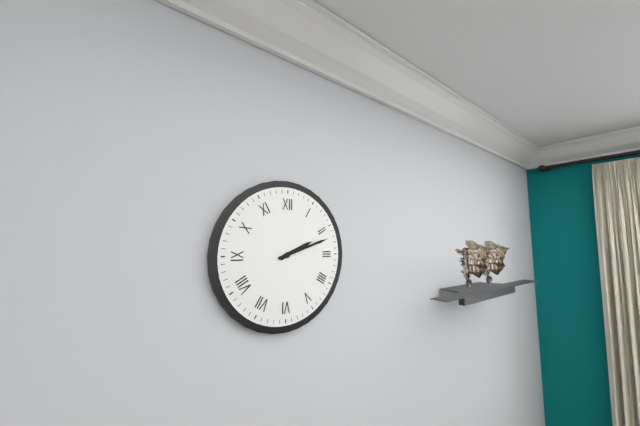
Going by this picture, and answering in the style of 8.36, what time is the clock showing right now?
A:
2.12
